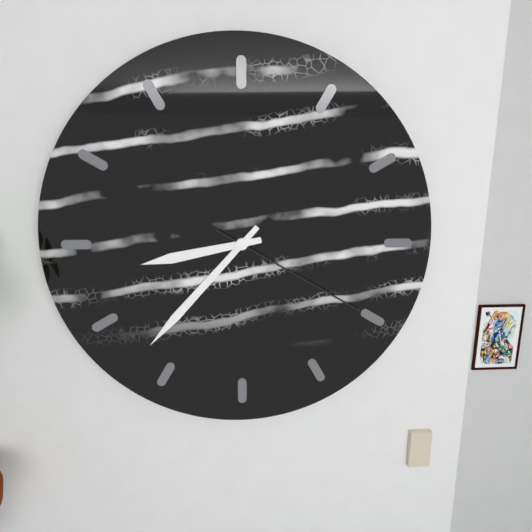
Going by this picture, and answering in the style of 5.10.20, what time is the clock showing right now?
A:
8.37.20
